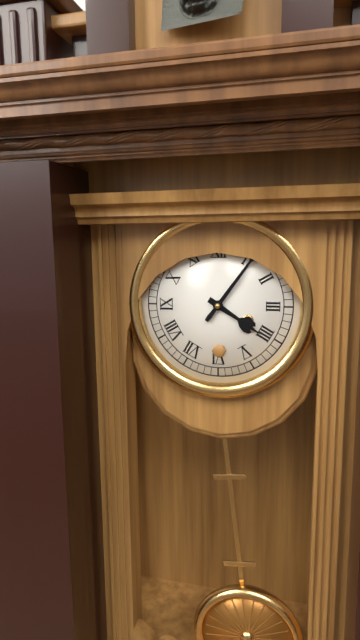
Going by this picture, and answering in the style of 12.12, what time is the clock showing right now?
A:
4.06
